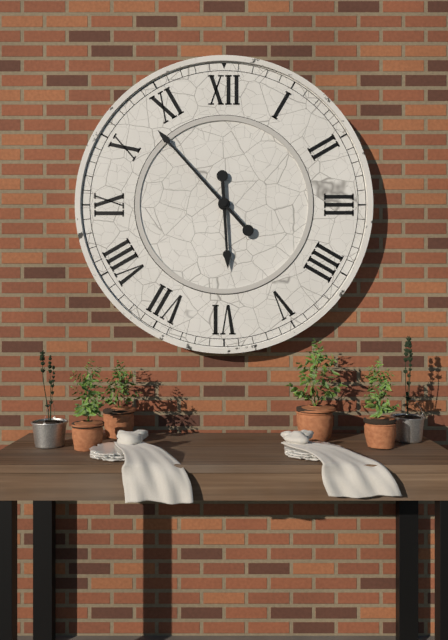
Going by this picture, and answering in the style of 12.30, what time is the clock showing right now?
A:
5.53
